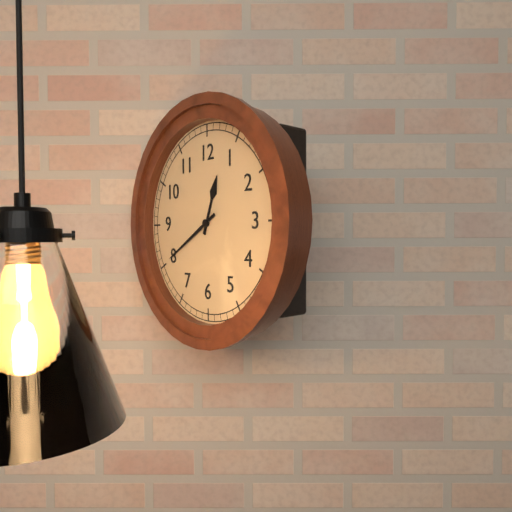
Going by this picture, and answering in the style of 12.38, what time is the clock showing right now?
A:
12.40
